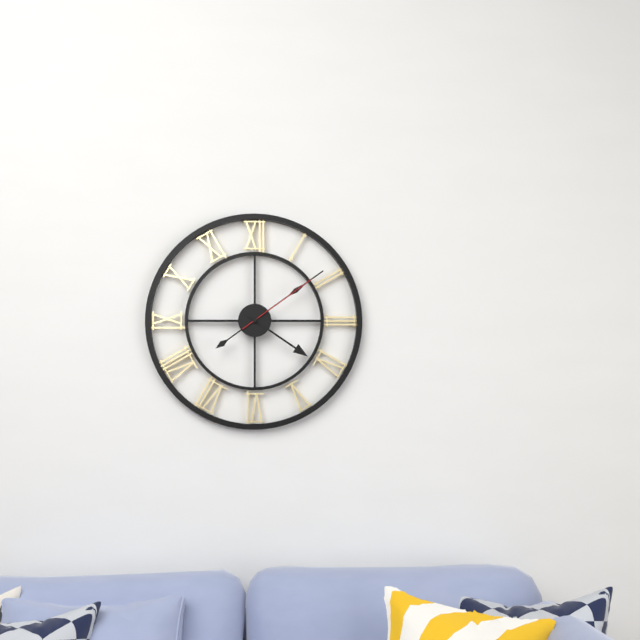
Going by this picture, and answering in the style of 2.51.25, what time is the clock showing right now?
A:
4.09.09
